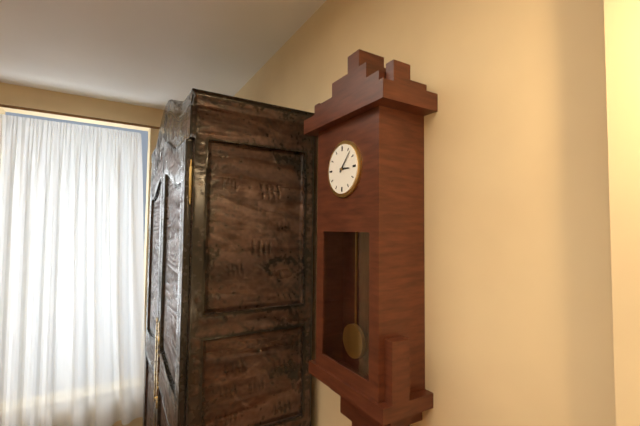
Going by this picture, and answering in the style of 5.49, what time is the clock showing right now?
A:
3.07
